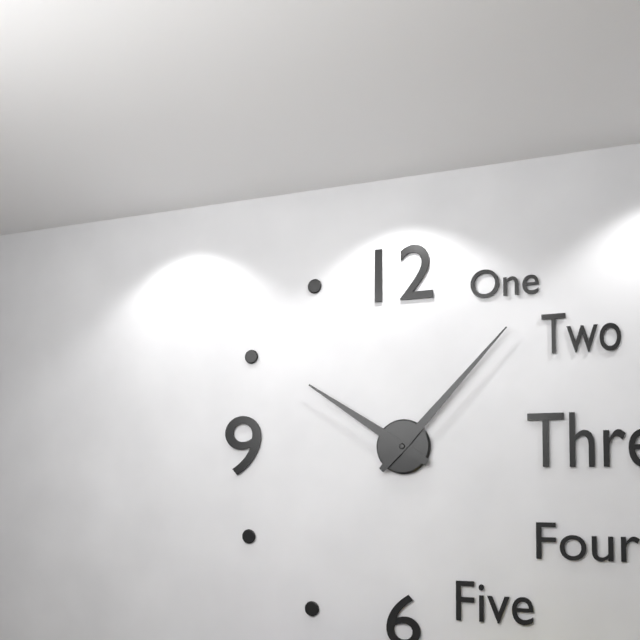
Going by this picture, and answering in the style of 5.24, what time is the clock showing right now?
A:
10.07
